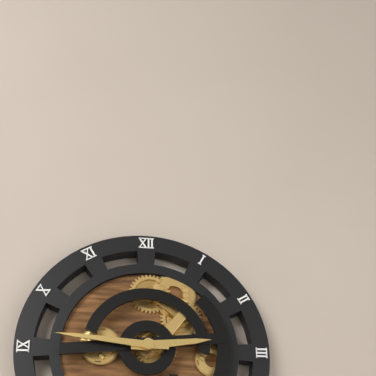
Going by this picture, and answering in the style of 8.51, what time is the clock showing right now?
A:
2.46
